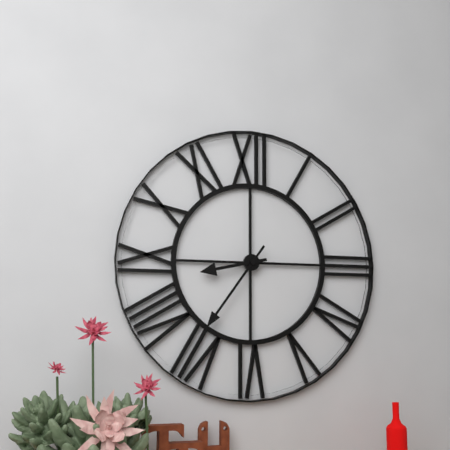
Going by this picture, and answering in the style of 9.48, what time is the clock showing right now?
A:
8.36
